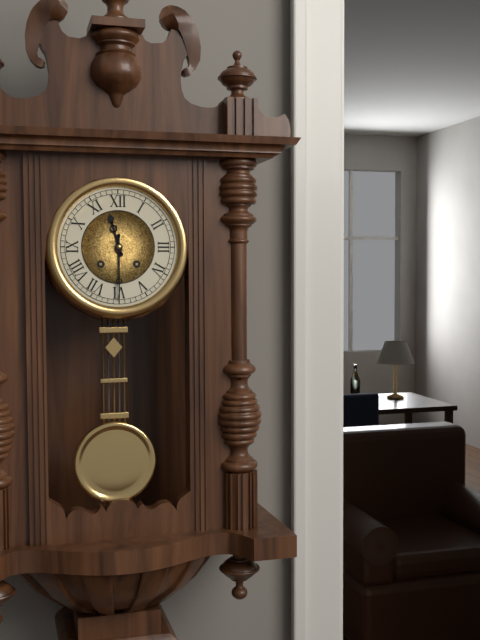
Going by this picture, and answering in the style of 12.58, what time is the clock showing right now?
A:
11.30
